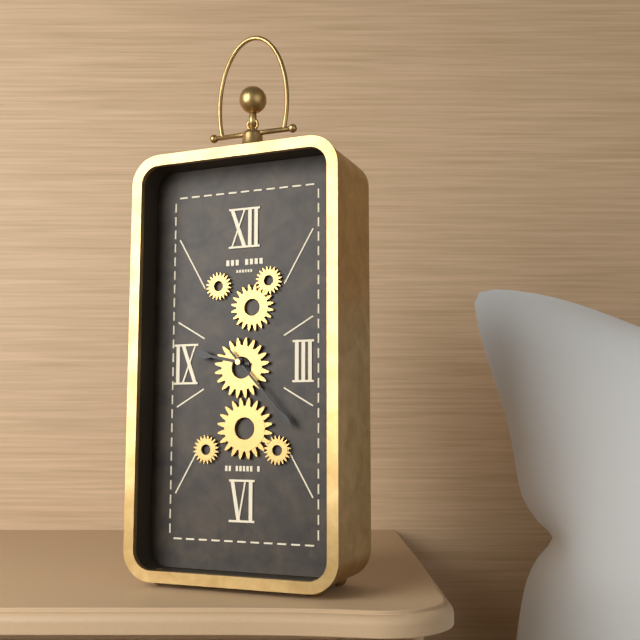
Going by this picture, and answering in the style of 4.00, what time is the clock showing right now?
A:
9.23
